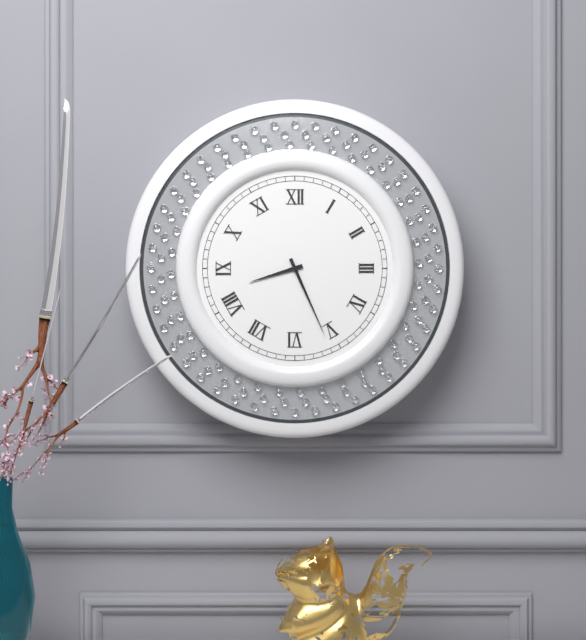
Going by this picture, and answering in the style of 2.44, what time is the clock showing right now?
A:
8.26
